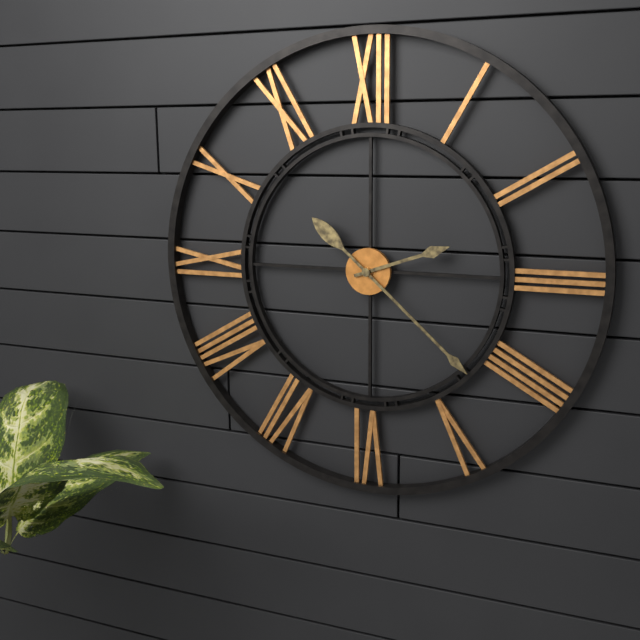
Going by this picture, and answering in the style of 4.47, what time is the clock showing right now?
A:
2.22
